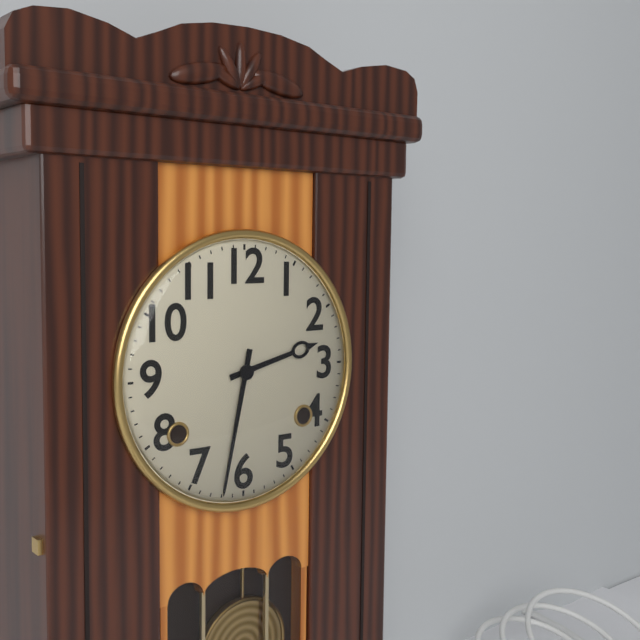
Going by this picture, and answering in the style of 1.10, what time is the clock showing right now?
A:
2.32
